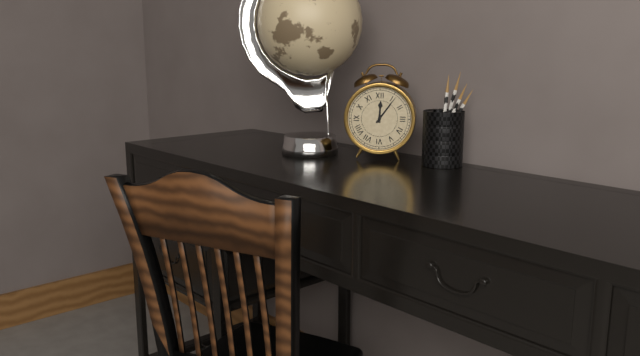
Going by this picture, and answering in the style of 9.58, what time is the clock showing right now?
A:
12.06
